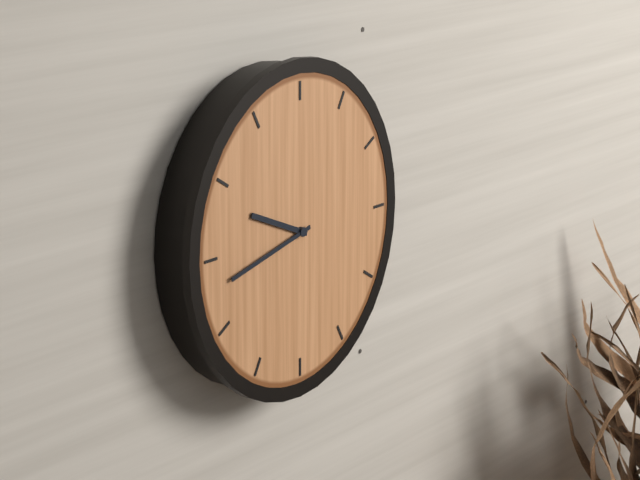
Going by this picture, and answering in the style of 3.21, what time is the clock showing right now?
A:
9.43
